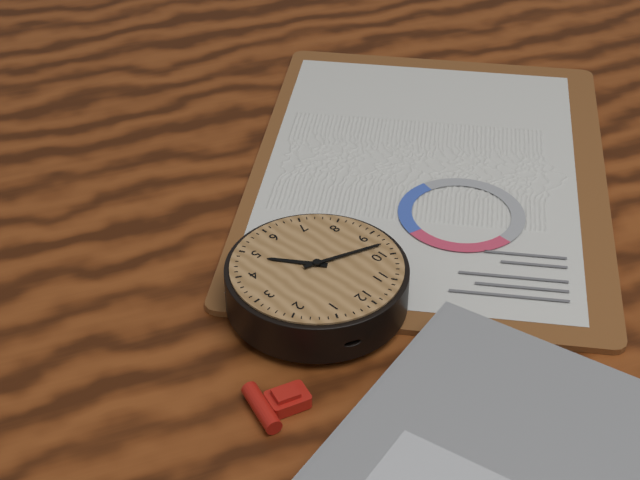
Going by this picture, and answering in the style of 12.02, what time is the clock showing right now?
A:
4.48
